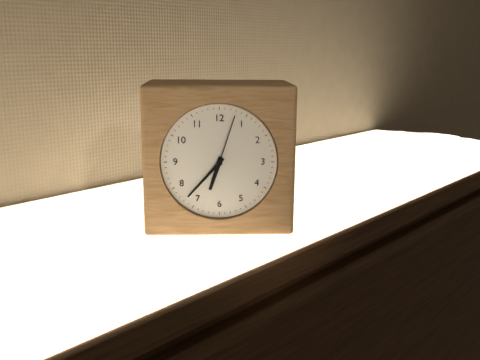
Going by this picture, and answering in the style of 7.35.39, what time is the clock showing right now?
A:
6.37.03
